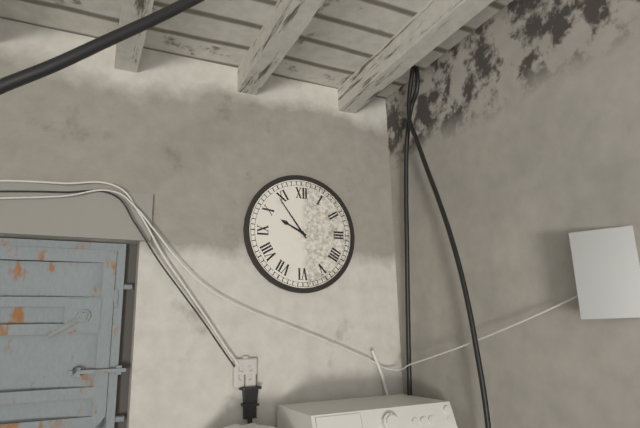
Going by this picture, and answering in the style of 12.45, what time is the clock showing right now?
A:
9.54
